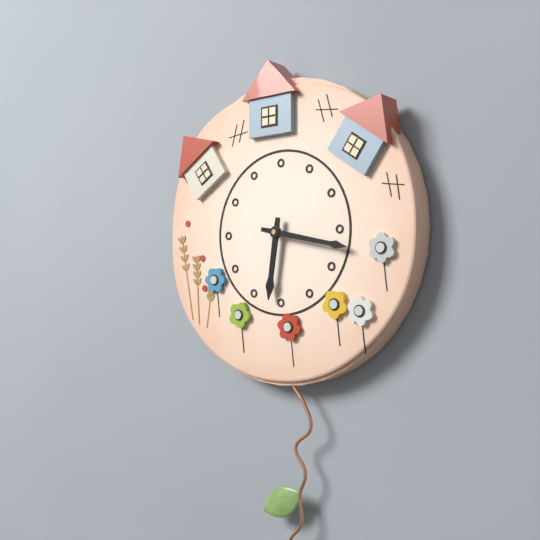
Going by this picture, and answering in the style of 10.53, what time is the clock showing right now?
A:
6.17
